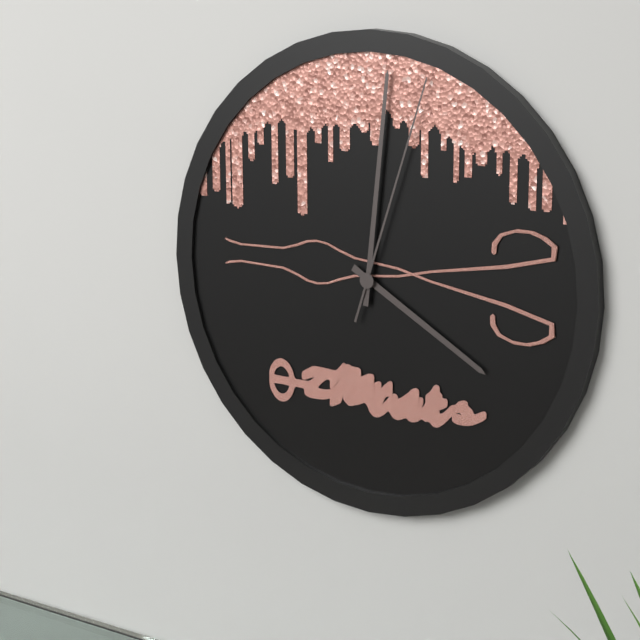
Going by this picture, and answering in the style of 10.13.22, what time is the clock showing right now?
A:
4.01.03
